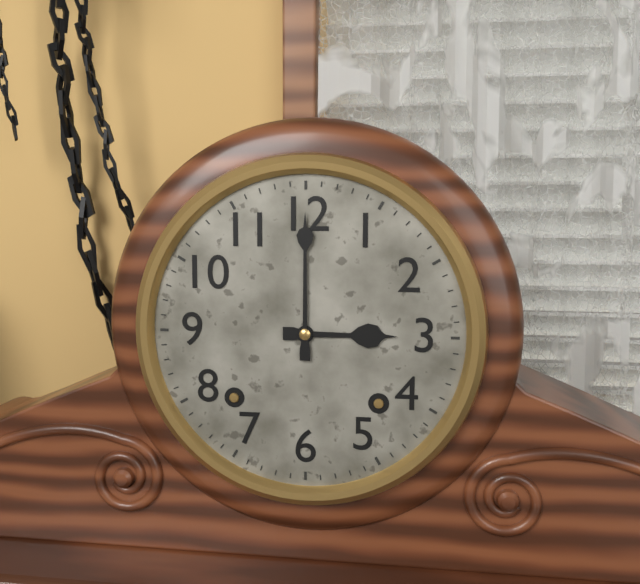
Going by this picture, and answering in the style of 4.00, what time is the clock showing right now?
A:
3.00
